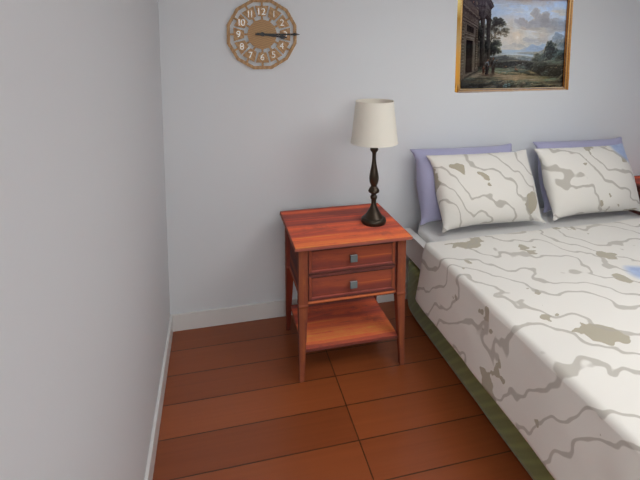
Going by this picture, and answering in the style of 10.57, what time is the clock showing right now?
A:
3.15
